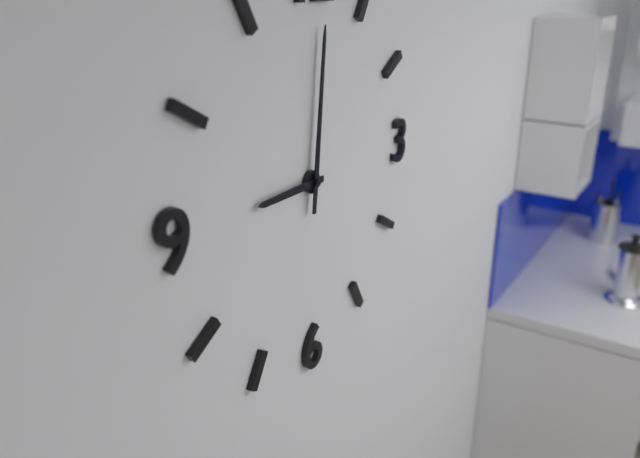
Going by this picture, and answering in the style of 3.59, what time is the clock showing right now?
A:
9.01
